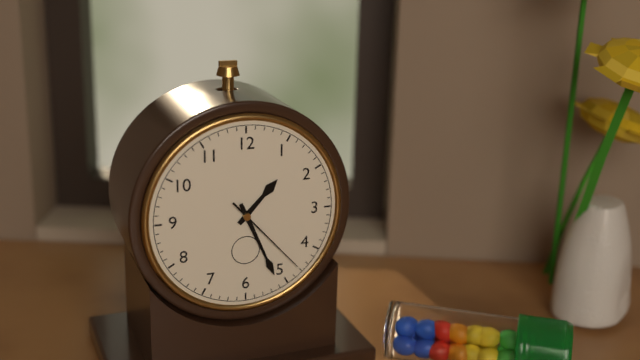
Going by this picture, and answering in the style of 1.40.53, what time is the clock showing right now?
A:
1.26.23
